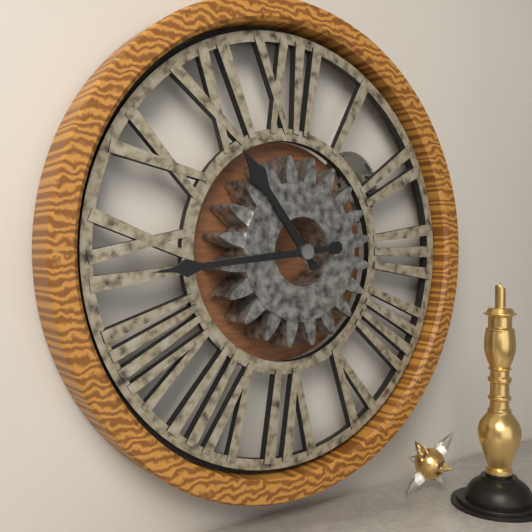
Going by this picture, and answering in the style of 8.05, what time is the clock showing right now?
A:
10.44
